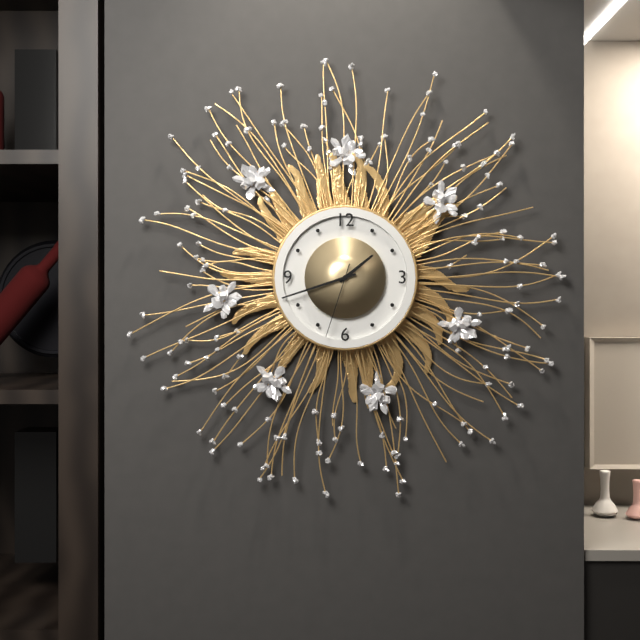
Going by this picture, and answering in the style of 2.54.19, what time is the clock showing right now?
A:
1.42.33
